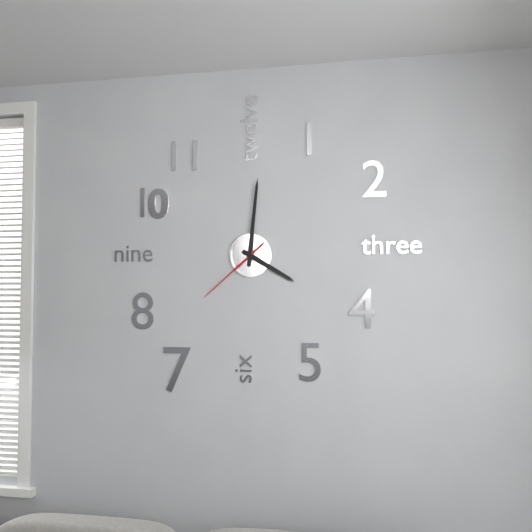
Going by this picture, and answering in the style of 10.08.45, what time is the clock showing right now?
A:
4.01.38
